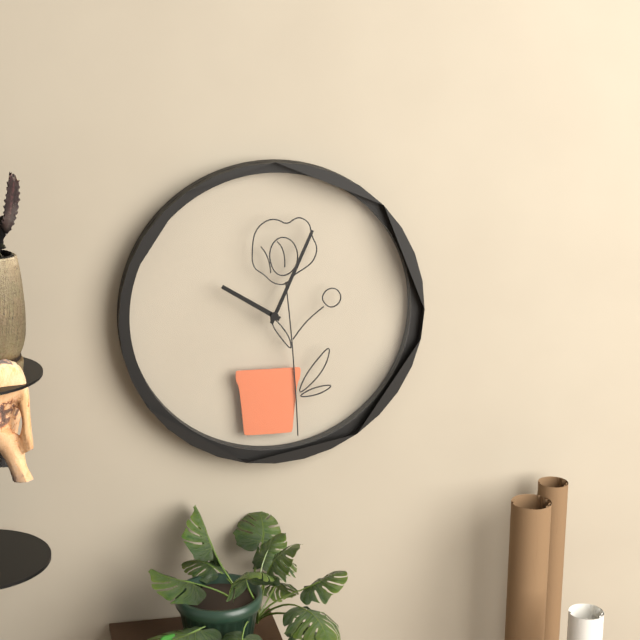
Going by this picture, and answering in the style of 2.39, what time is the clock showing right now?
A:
10.04
